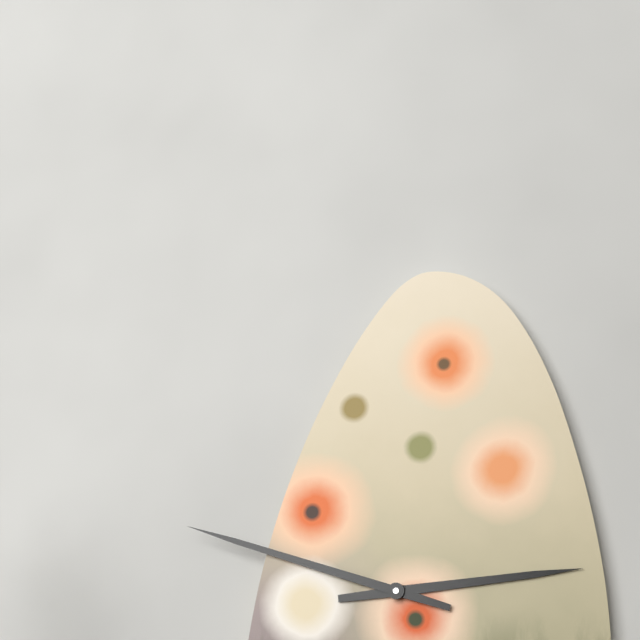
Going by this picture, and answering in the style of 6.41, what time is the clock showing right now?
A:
2.48
